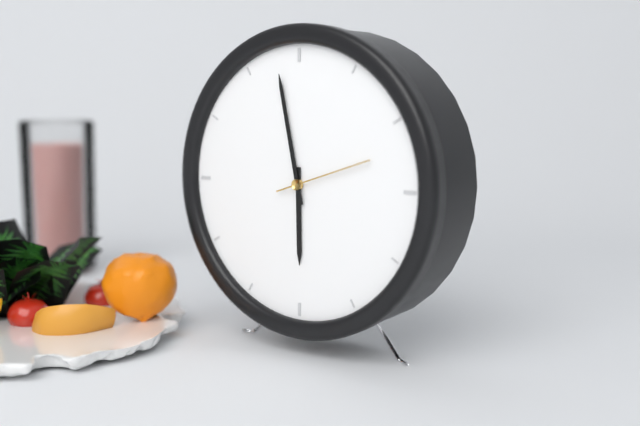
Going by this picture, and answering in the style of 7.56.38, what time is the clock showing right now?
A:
5.58.12
